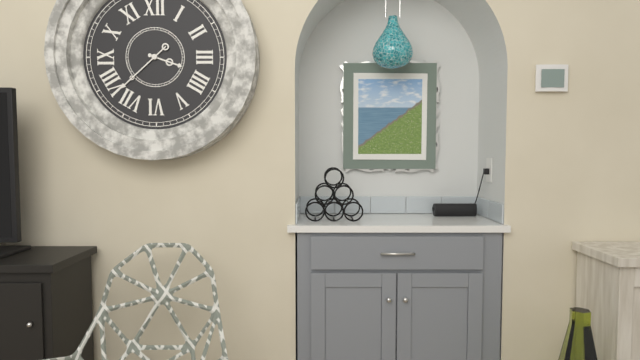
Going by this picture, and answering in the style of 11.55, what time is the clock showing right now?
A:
3.38
